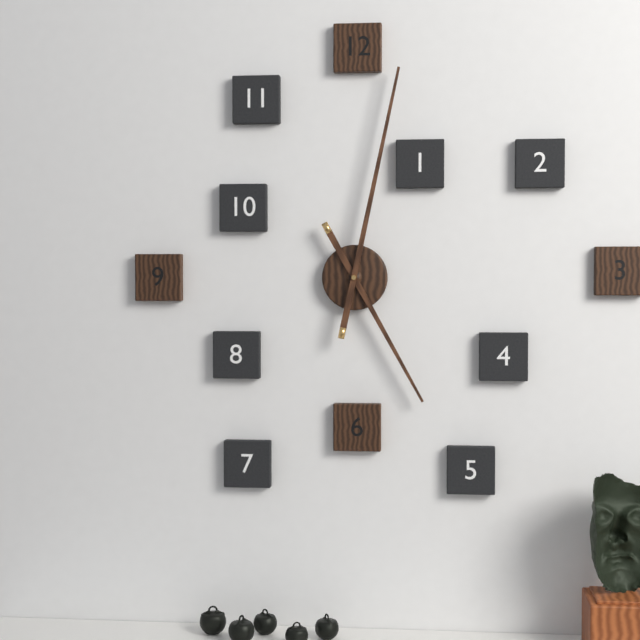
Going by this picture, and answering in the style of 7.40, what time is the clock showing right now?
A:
5.02
